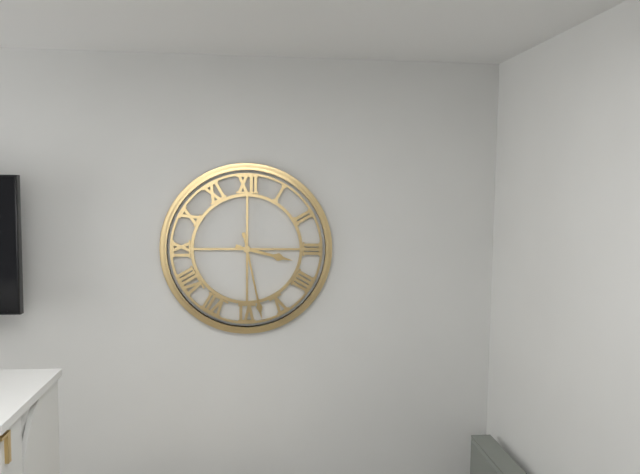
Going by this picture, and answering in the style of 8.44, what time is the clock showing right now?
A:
3.28
